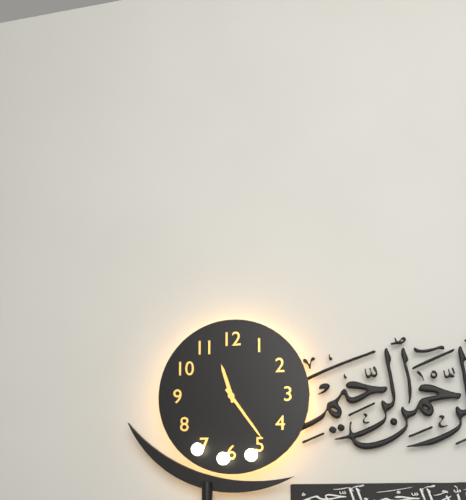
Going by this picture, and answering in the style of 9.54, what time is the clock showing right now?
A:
11.24
